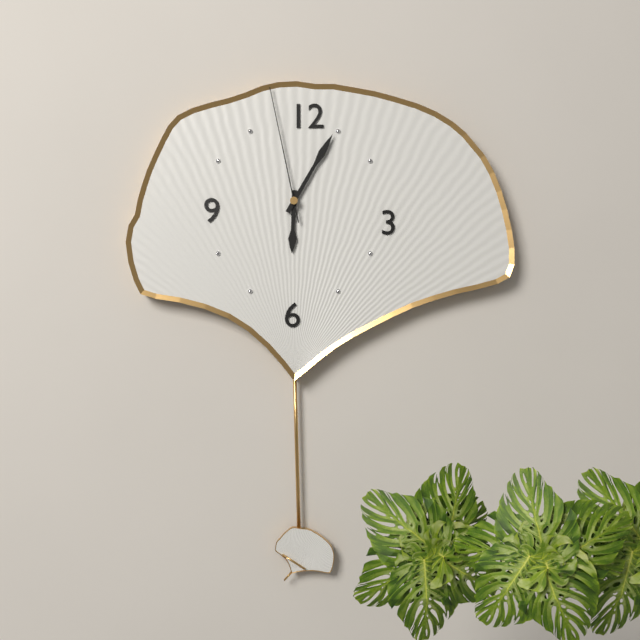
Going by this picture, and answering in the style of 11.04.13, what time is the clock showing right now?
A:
6.05.58
